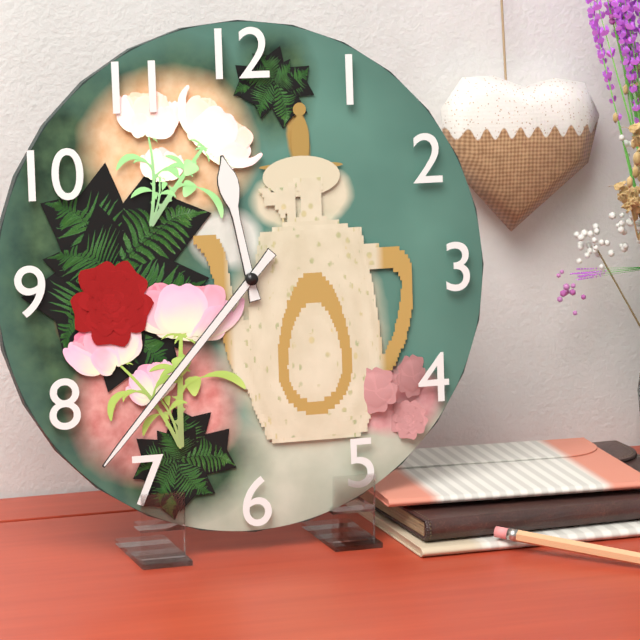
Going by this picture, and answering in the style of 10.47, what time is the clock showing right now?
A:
11.37
